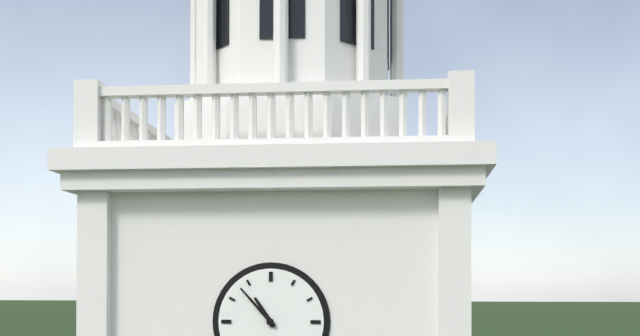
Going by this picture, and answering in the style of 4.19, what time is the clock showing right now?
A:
10.53
